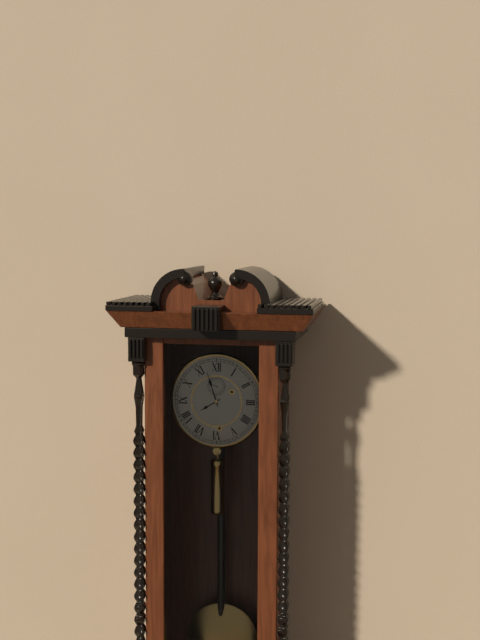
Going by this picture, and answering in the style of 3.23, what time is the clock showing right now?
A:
7.57
